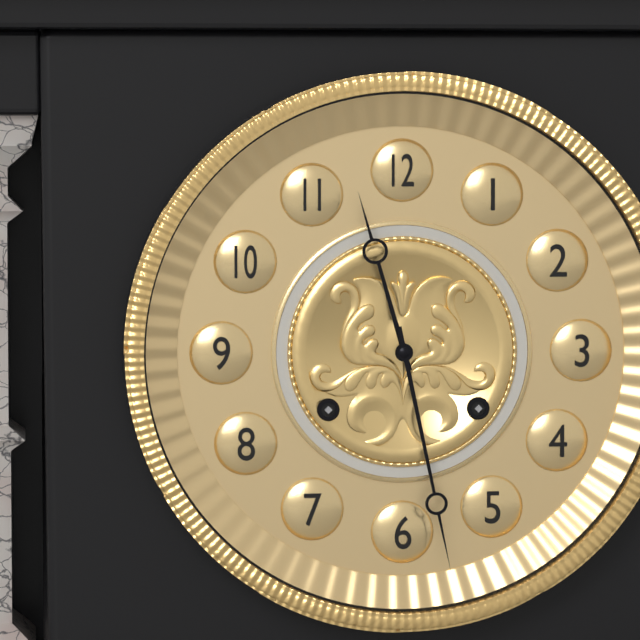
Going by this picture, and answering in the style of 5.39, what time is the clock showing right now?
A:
11.28
